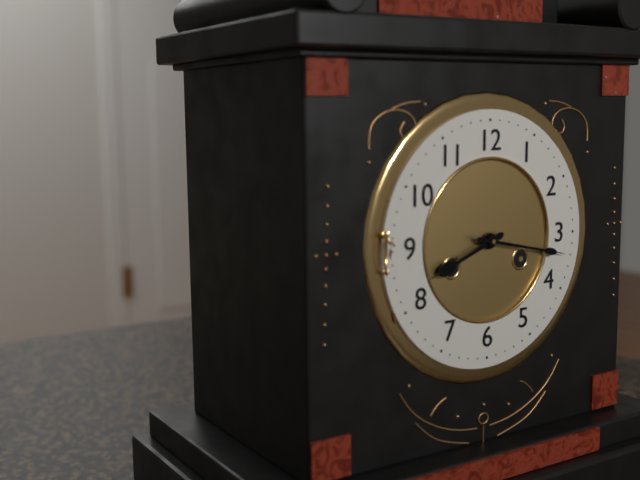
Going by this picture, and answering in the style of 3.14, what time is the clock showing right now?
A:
8.17
